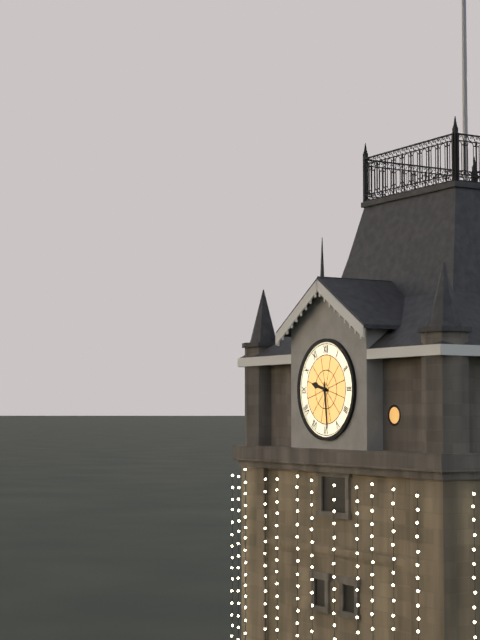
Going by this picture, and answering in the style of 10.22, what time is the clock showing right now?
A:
9.29
